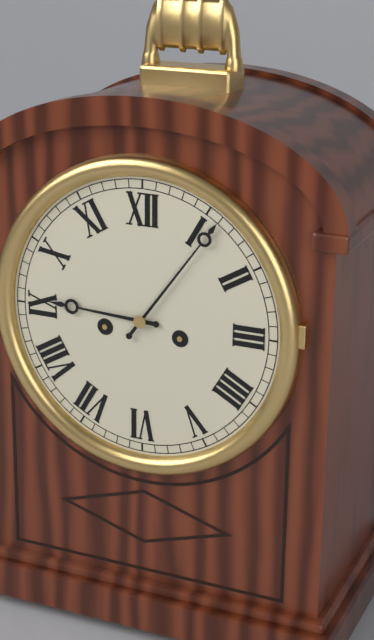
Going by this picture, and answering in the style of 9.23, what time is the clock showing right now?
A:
9.06
